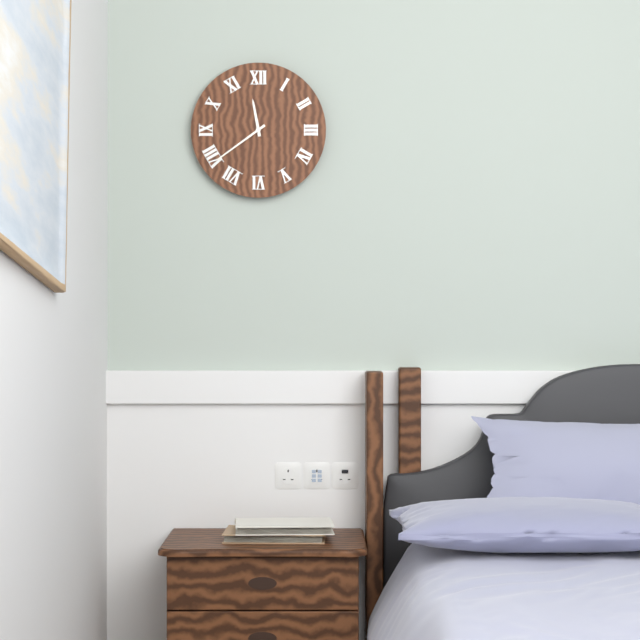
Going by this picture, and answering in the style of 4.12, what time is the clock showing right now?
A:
11.39
